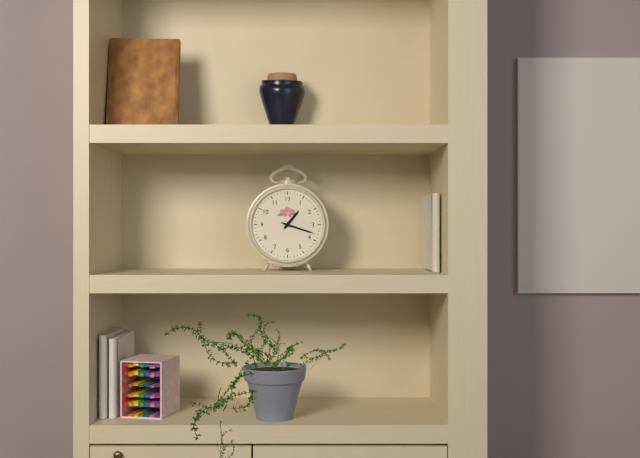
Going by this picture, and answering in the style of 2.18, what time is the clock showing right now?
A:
1.18
